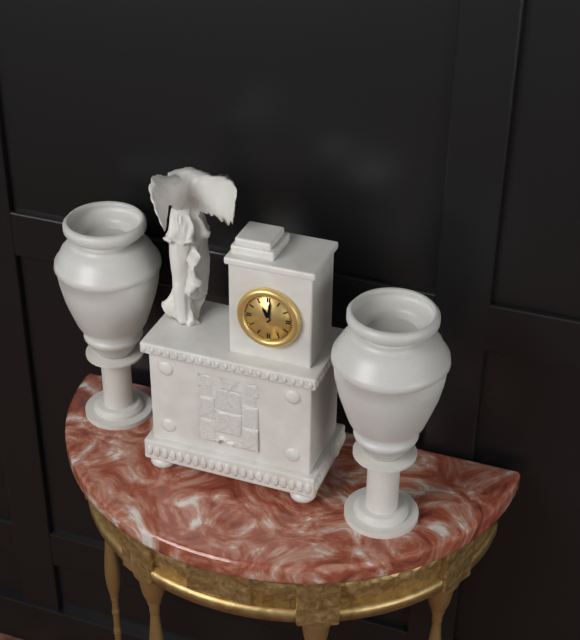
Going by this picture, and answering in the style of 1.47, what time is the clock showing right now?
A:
11.01
